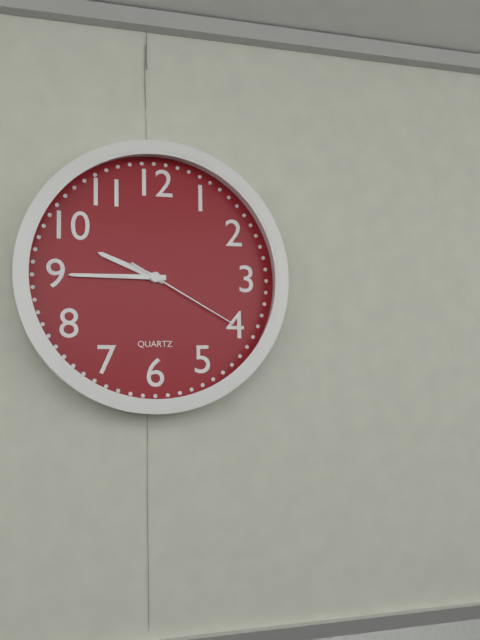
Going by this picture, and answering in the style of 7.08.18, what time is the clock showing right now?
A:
9.45.20
